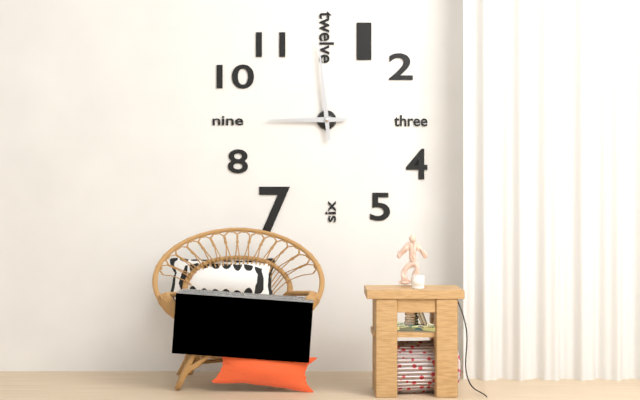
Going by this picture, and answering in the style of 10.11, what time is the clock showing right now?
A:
8.59
